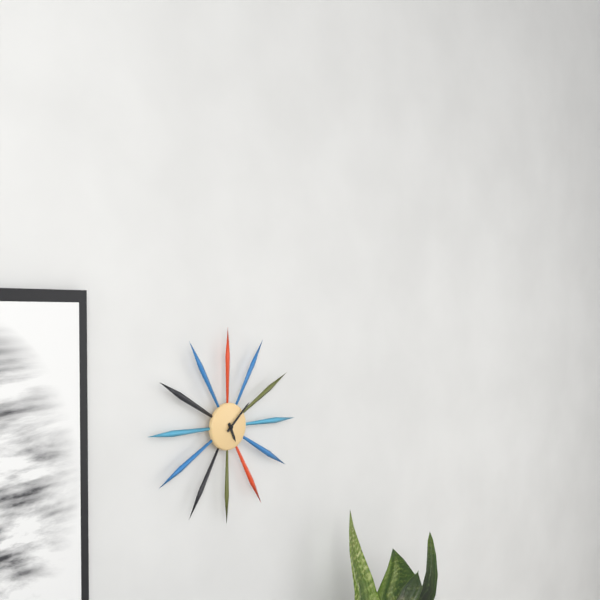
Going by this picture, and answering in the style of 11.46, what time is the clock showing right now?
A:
5.08
